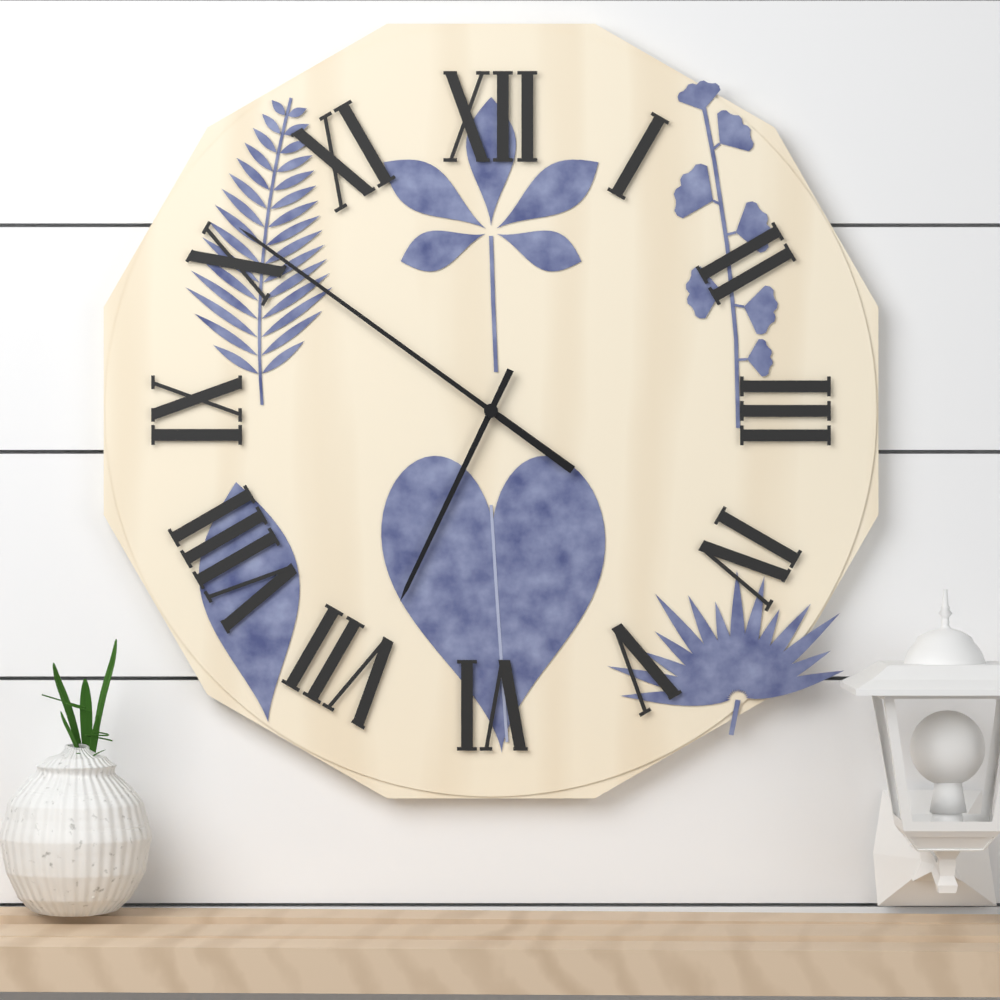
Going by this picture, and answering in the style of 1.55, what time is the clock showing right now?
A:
6.51
